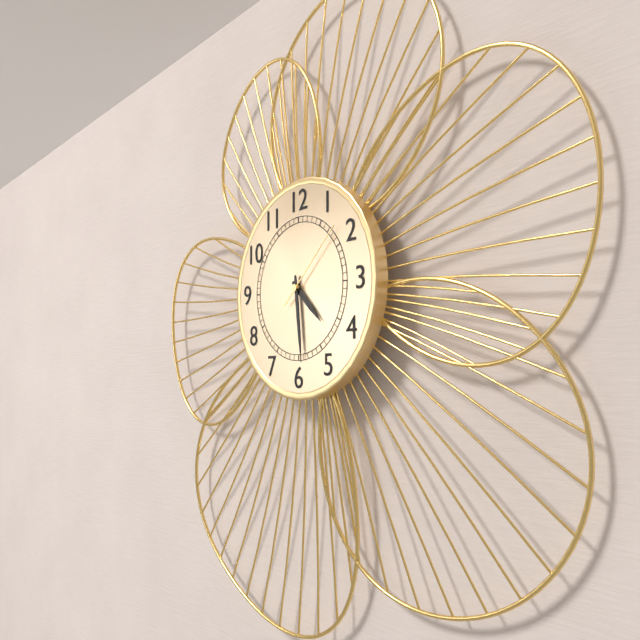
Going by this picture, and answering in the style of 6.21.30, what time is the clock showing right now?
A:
4.29.08
